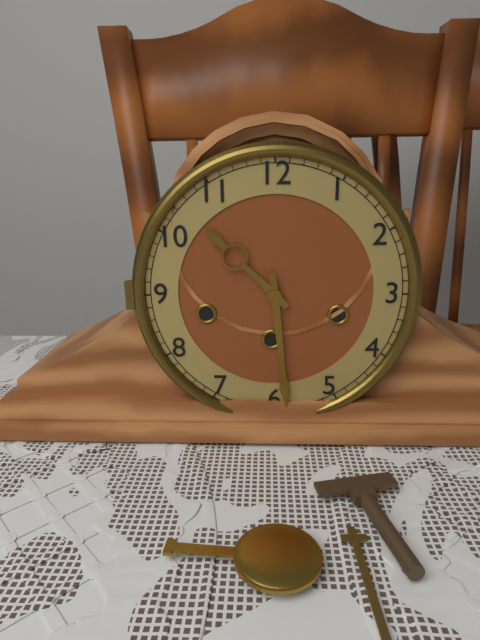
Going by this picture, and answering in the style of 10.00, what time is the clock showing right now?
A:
10.29
